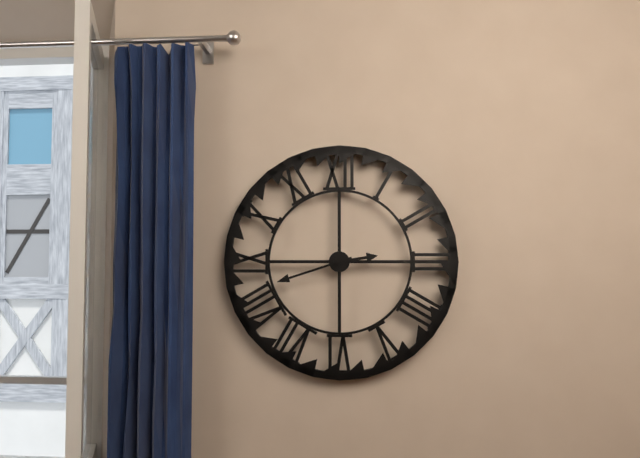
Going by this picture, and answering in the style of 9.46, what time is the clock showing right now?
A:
2.42
